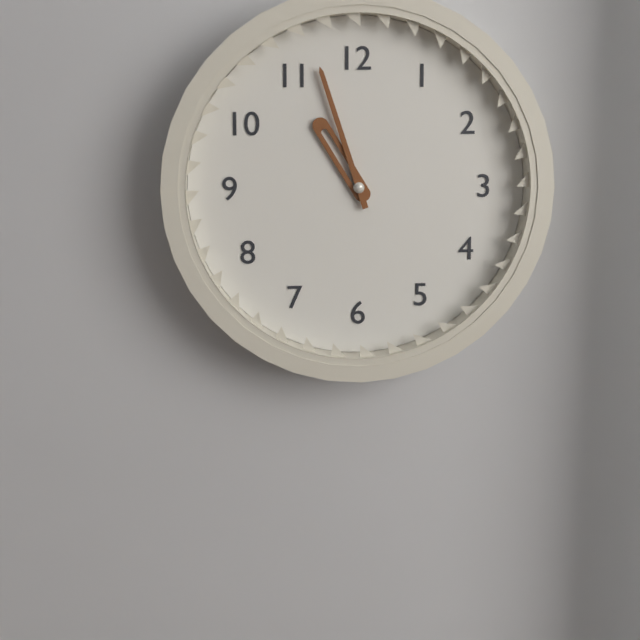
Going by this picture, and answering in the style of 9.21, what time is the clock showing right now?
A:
10.57
